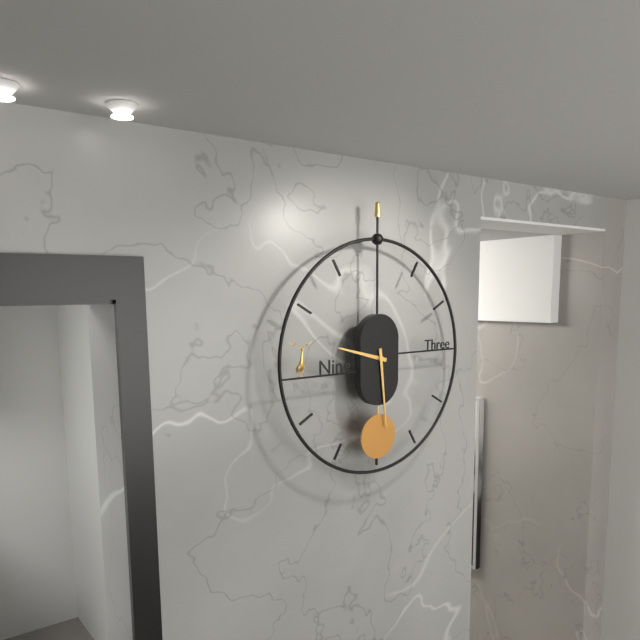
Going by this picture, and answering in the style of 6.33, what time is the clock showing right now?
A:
9.29
